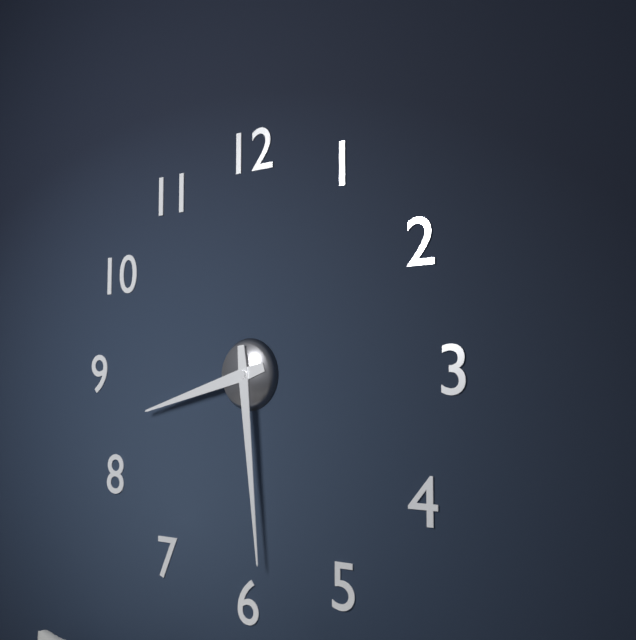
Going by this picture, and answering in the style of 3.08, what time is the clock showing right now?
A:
8.29
